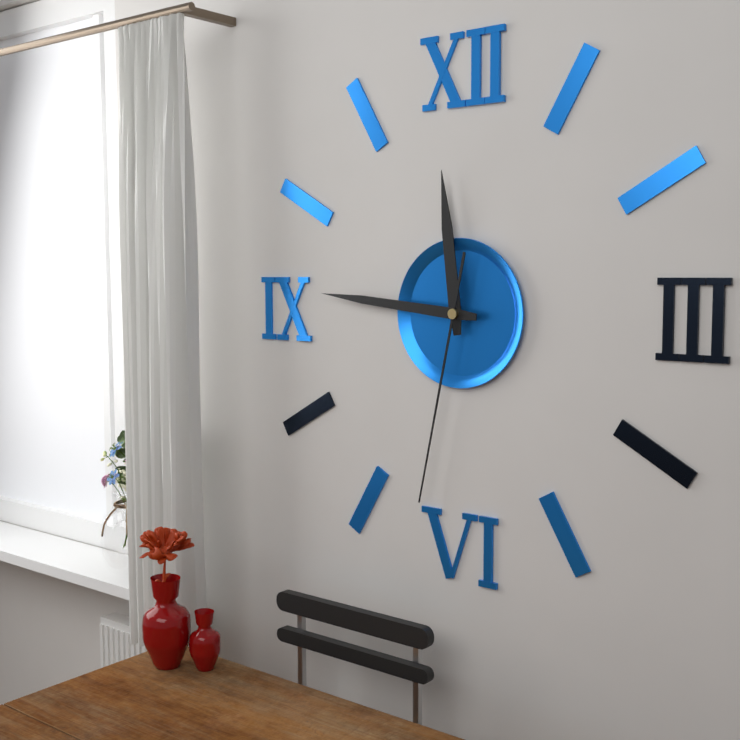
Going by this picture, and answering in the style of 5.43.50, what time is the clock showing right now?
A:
11.46.32
